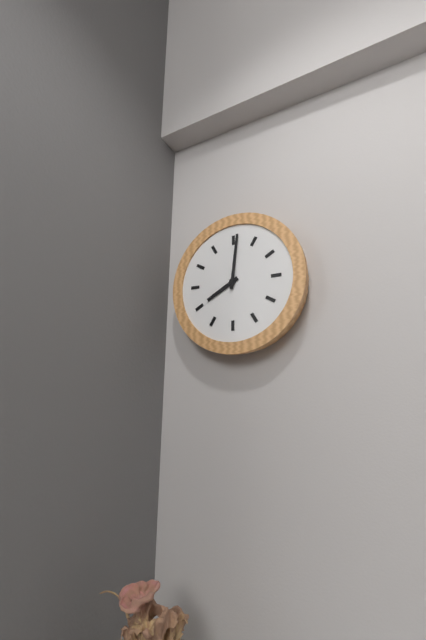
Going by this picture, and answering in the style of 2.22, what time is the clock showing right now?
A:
8.01
